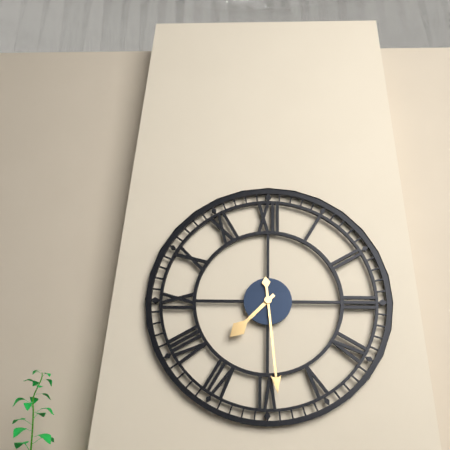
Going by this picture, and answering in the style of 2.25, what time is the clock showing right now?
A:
7.29
